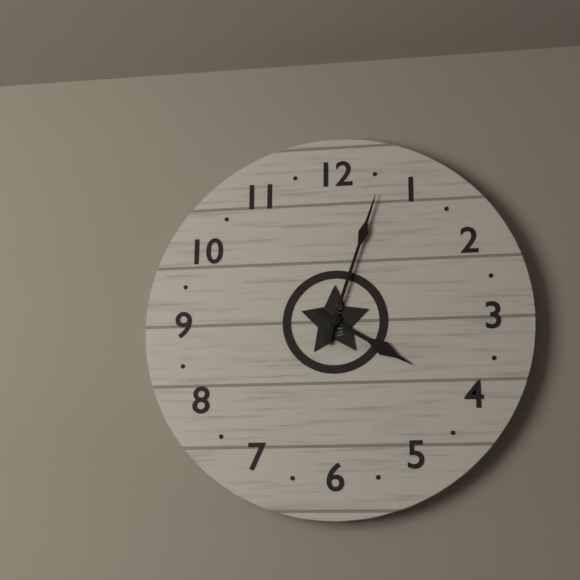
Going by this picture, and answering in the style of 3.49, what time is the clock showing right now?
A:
4.03
